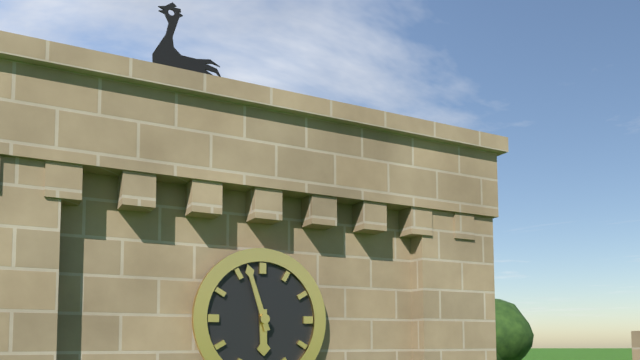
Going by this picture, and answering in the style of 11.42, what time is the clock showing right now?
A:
5.57
